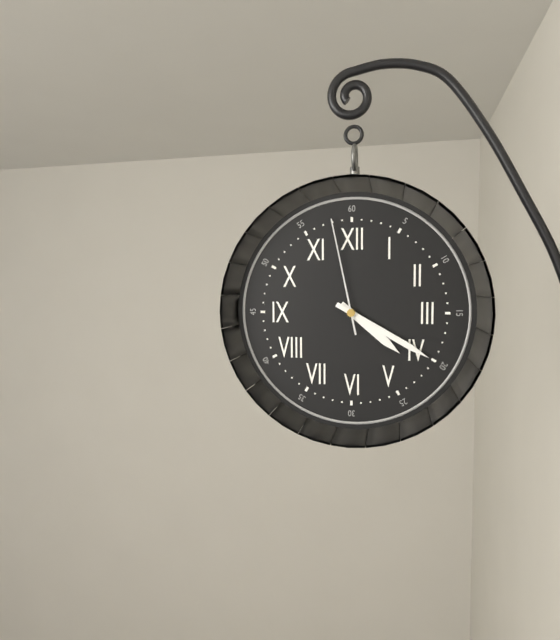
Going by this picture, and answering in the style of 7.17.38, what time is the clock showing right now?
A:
4.20.58
